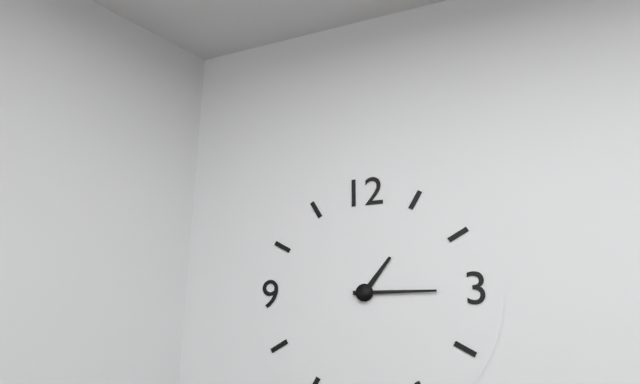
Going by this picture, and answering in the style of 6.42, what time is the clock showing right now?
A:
1.15
